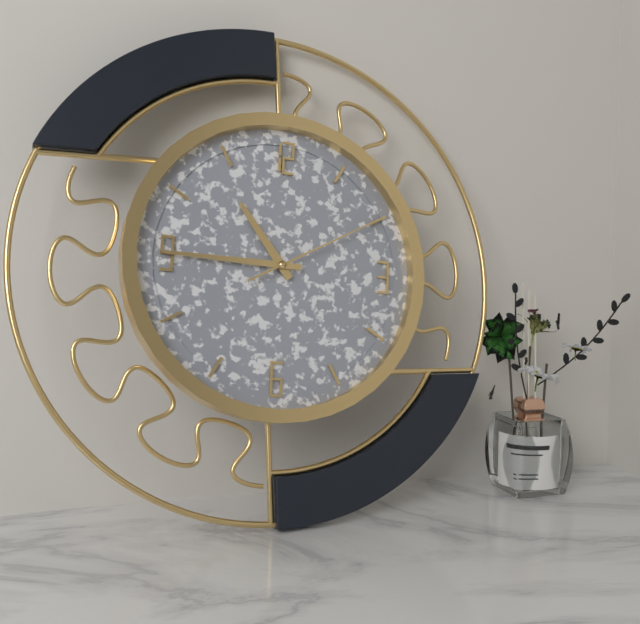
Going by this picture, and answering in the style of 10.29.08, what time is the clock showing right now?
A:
10.45.10
